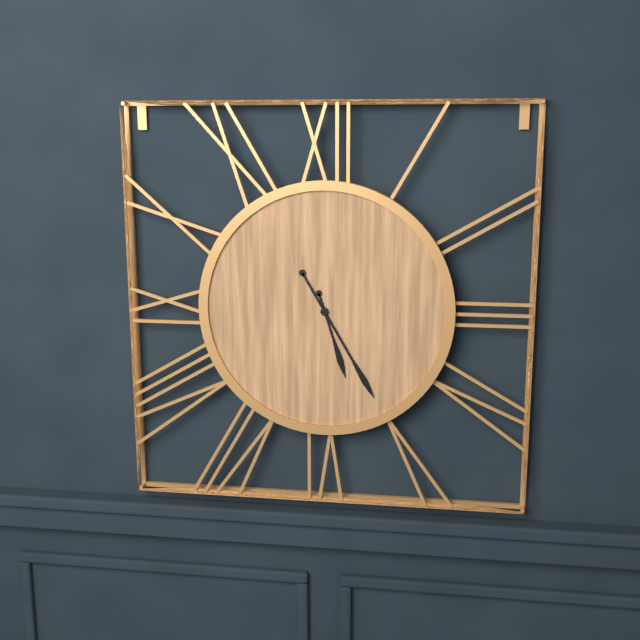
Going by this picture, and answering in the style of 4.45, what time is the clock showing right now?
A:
5.25
